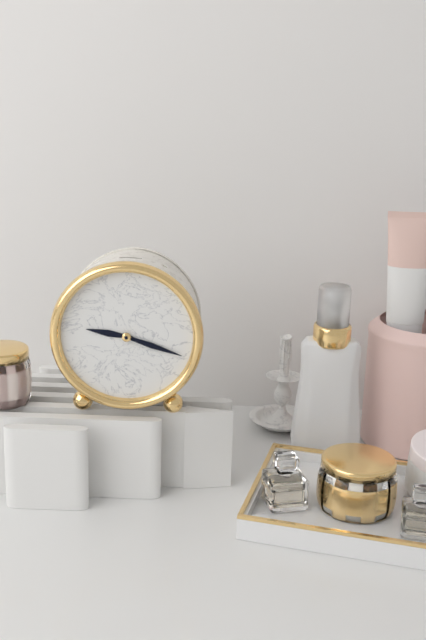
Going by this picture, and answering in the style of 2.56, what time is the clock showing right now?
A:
9.18
